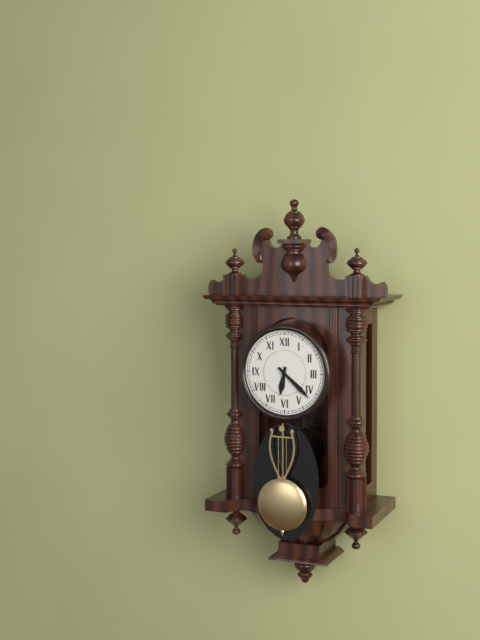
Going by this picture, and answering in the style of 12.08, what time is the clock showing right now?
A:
6.22
